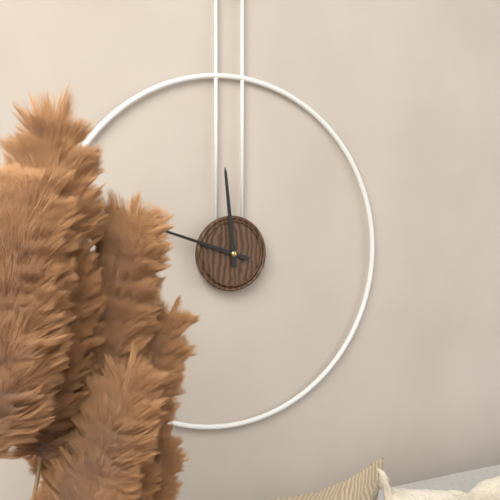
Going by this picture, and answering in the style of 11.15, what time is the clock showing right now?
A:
11.48
